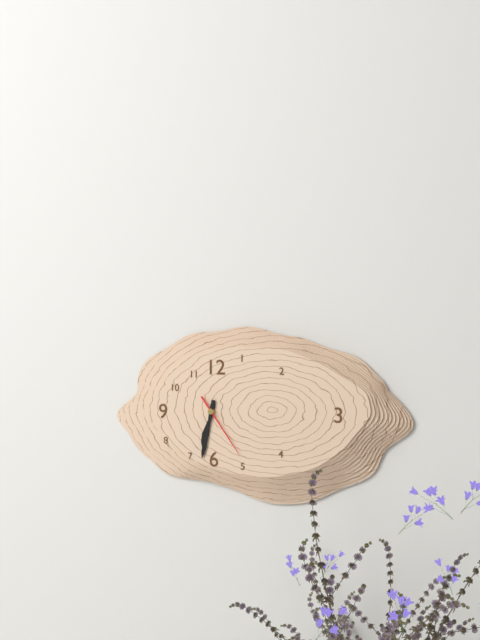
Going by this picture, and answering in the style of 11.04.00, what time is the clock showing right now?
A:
6.32.24
